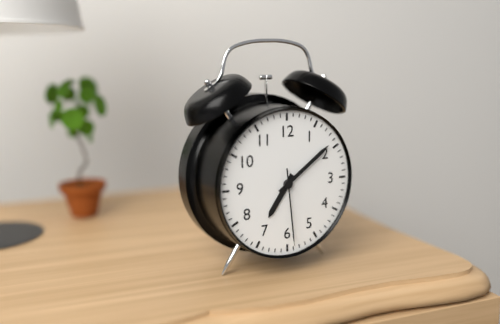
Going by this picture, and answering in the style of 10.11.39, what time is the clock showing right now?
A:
7.09.29
